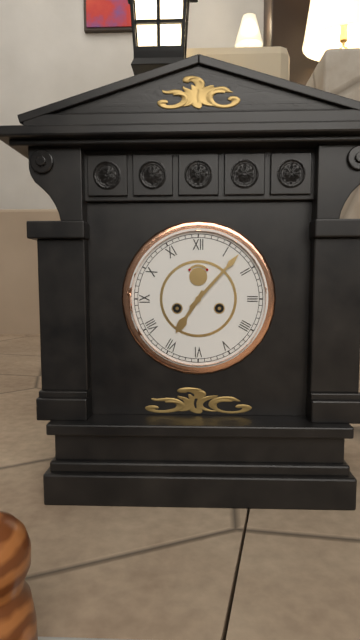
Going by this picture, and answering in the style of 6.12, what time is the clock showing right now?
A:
7.07
